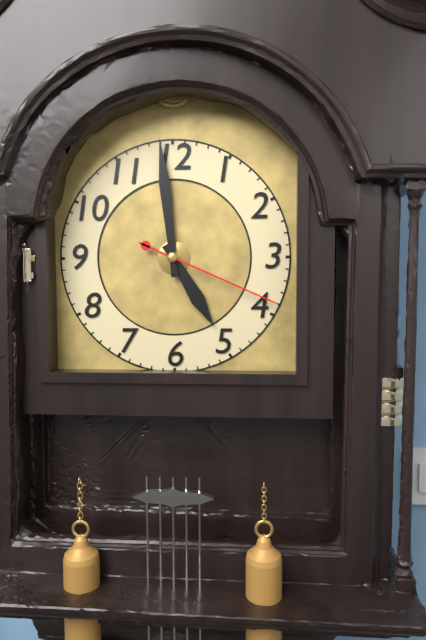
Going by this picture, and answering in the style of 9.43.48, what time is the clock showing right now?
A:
4.59.19
